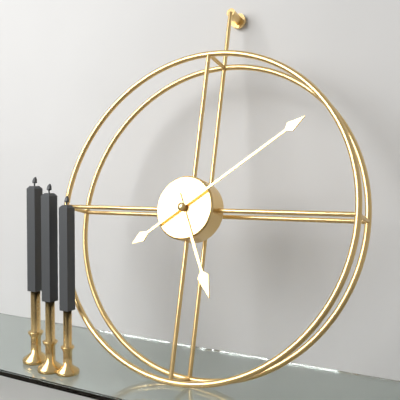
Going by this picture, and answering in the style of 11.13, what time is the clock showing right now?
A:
5.09
